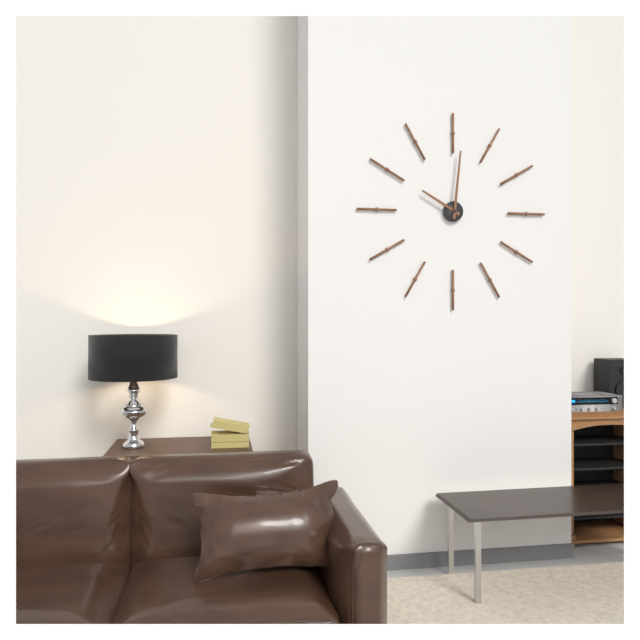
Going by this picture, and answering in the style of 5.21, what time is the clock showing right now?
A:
10.01
